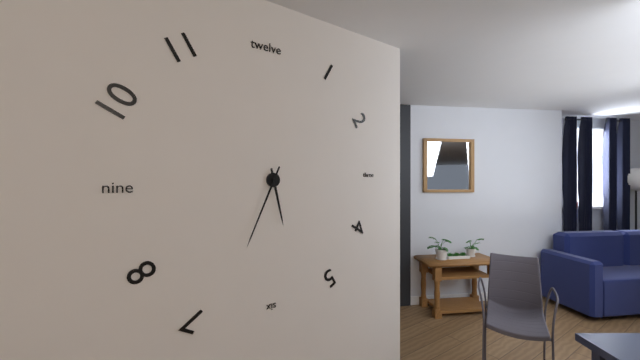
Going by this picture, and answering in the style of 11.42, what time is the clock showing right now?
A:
5.34
